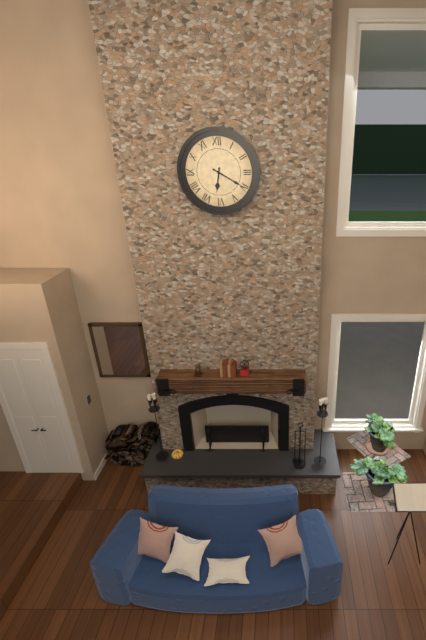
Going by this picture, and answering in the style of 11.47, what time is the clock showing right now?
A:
6.20
